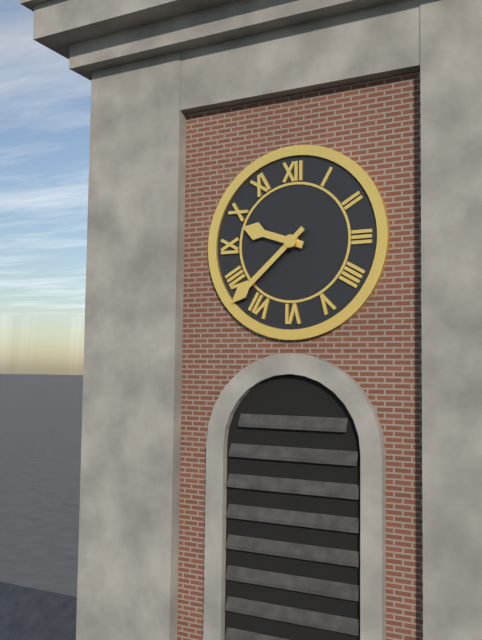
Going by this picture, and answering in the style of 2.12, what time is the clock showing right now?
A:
9.38
